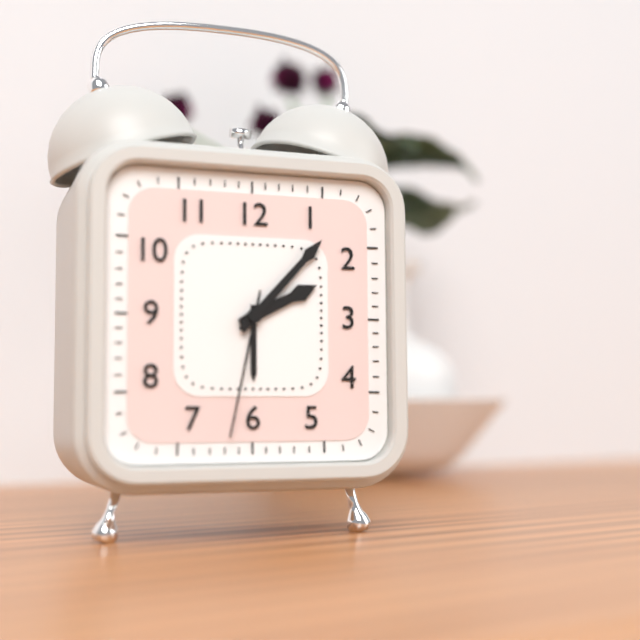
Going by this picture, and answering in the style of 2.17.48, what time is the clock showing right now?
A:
2.07.32
